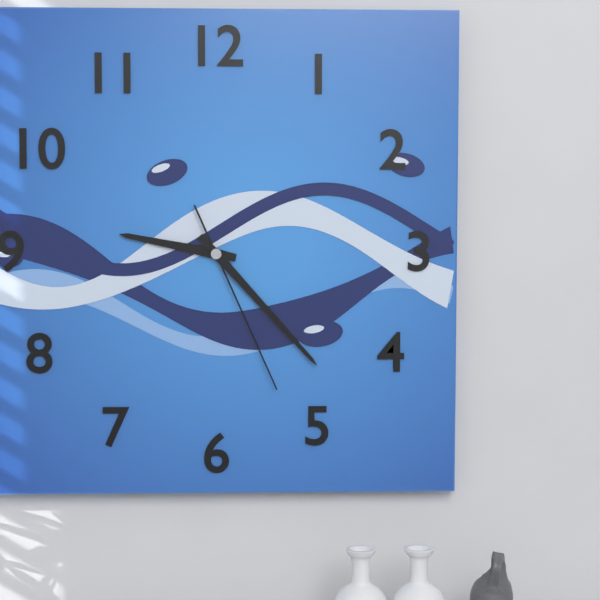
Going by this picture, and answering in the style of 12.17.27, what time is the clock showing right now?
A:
9.23.26
